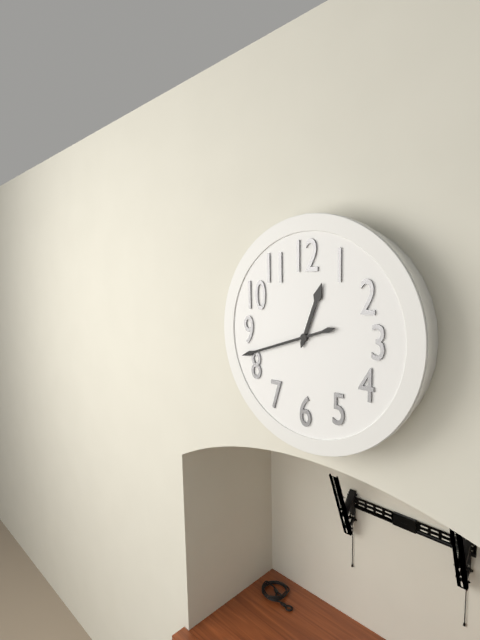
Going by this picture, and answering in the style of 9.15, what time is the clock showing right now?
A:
12.42
